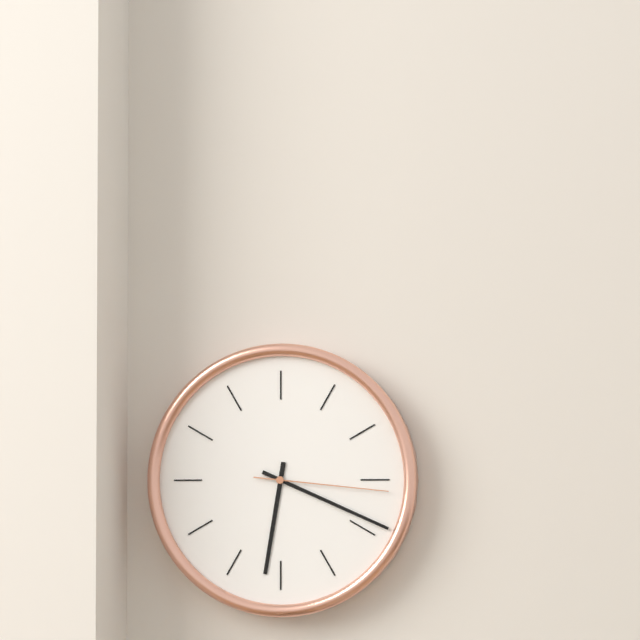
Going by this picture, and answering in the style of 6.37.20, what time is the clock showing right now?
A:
6.19.16
